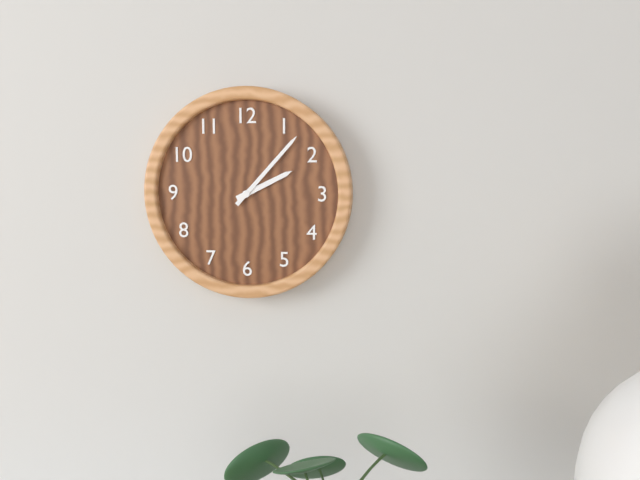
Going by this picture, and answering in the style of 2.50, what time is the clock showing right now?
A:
2.07
